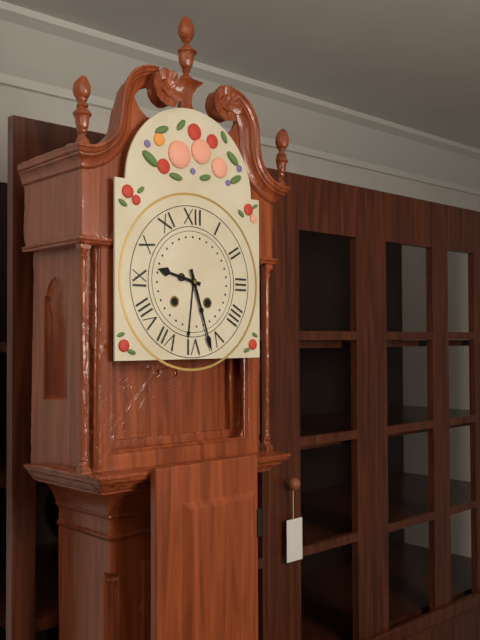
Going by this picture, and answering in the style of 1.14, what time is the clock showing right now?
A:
9.27
